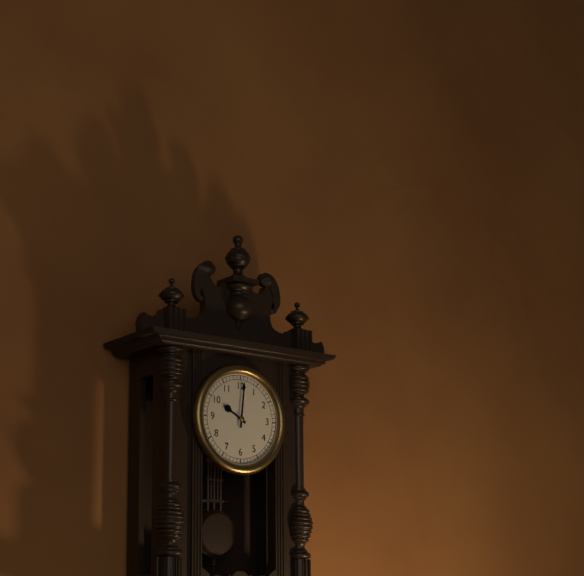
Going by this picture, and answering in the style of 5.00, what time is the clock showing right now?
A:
10.01
